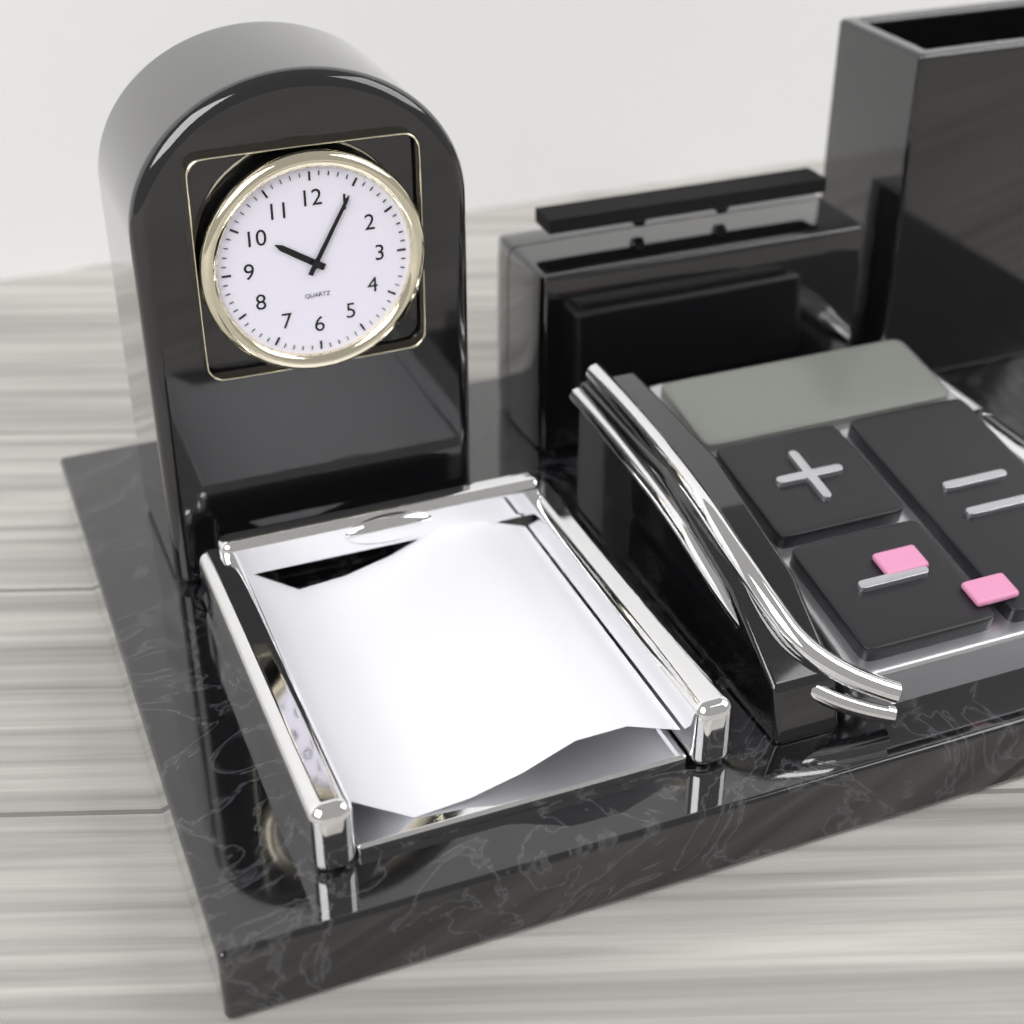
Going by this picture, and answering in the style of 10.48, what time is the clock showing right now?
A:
10.05
